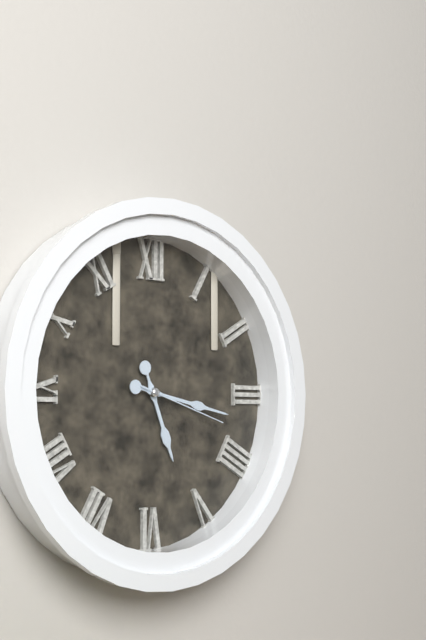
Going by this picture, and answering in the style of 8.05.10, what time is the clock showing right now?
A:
5.17.18
